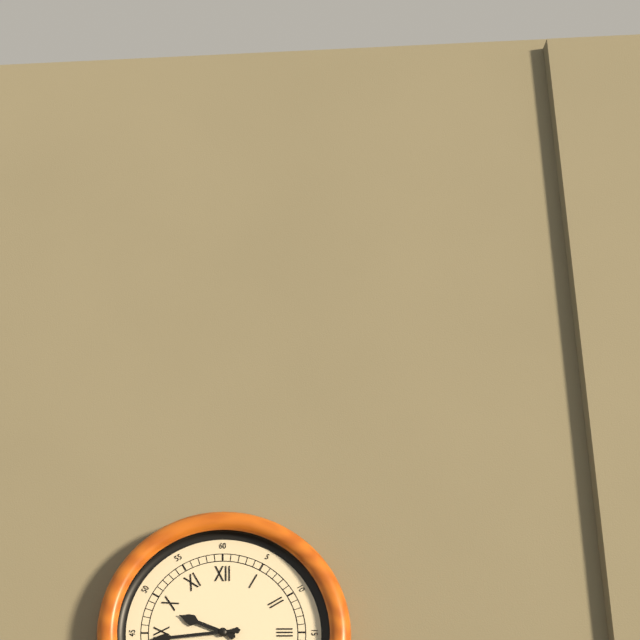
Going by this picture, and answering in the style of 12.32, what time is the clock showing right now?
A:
9.44
